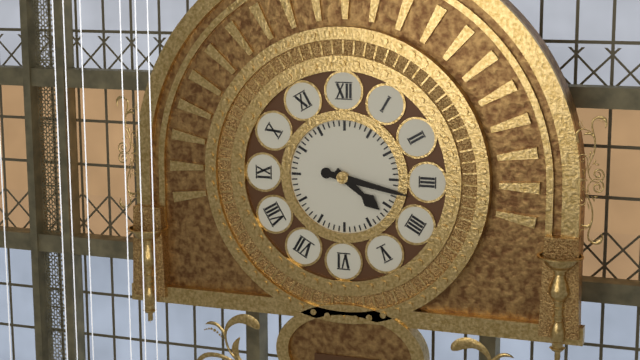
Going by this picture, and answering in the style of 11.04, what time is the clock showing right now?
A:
4.17
